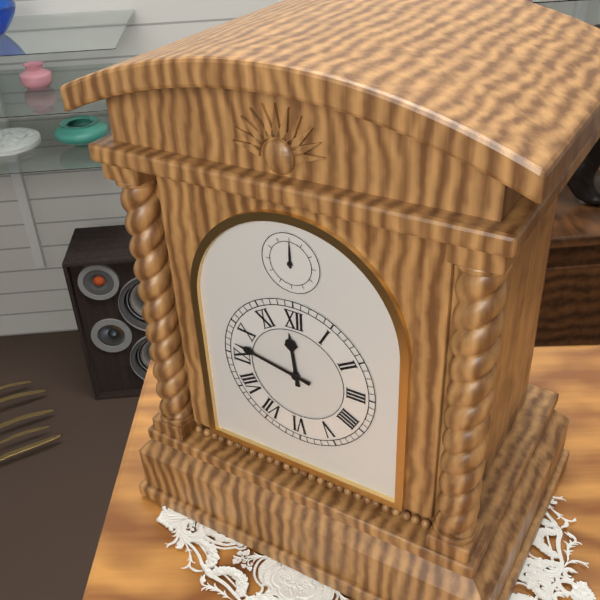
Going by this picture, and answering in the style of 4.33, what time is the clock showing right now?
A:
11.47
